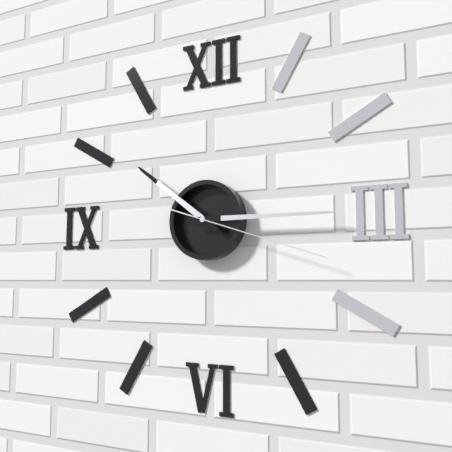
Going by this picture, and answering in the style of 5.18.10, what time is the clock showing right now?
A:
10.15.18
